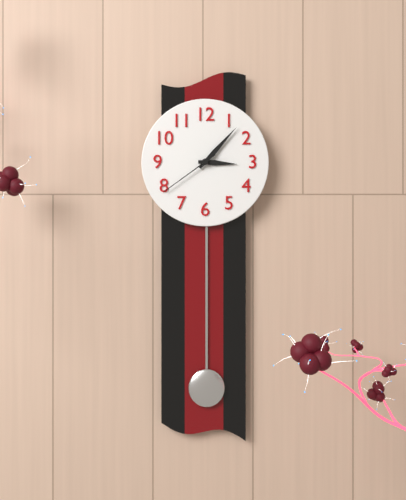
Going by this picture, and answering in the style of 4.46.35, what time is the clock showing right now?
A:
3.07.39
